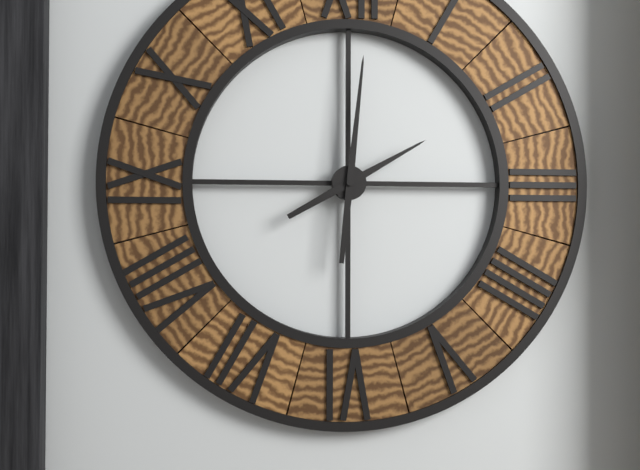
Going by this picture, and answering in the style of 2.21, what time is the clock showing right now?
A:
2.01
